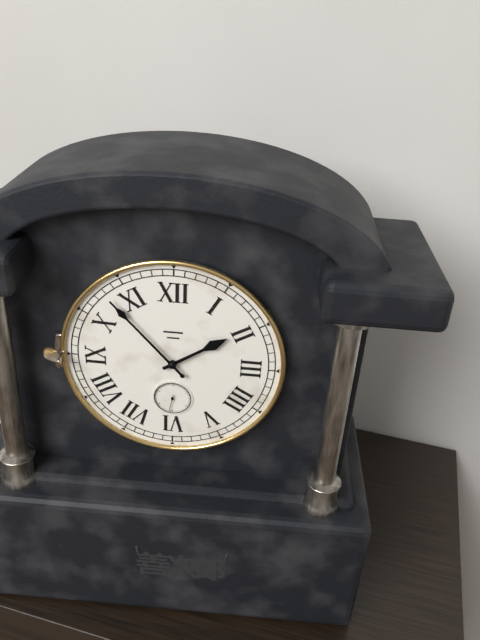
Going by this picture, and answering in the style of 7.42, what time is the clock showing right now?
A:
1.53
